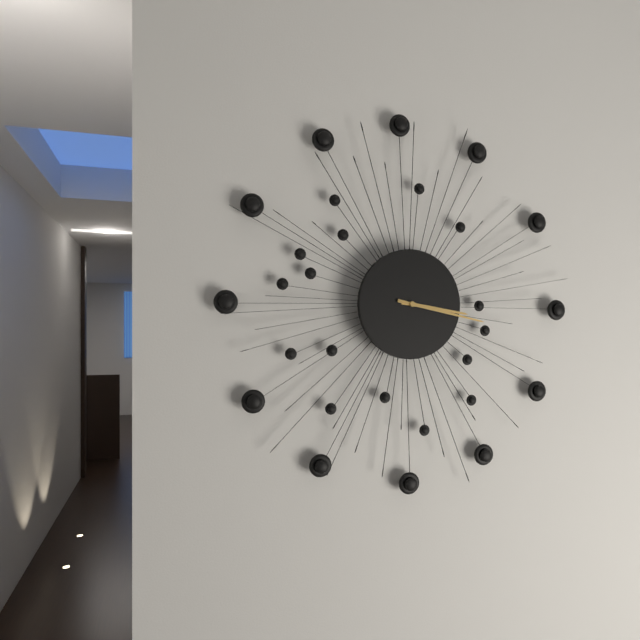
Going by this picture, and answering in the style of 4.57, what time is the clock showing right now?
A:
3.17
